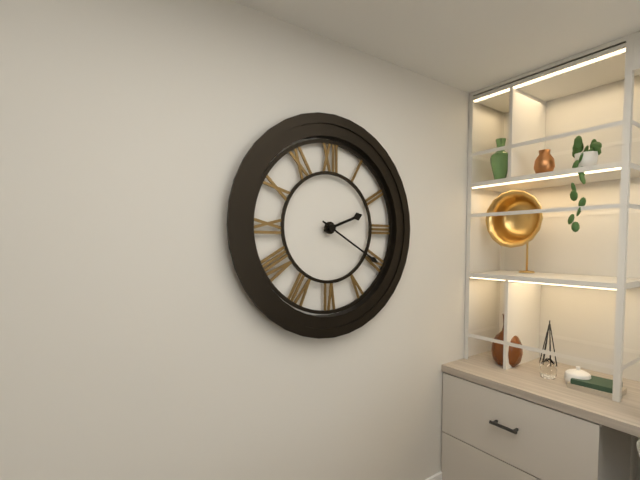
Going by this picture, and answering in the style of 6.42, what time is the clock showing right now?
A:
2.20
